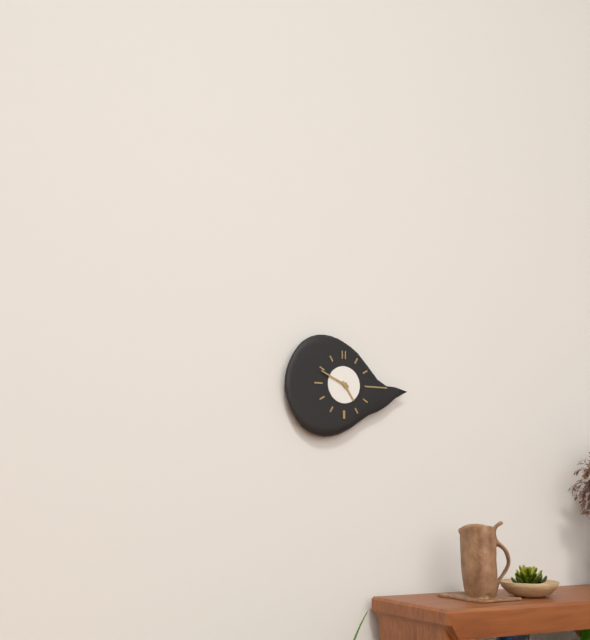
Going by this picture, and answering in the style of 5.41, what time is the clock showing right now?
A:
4.49
